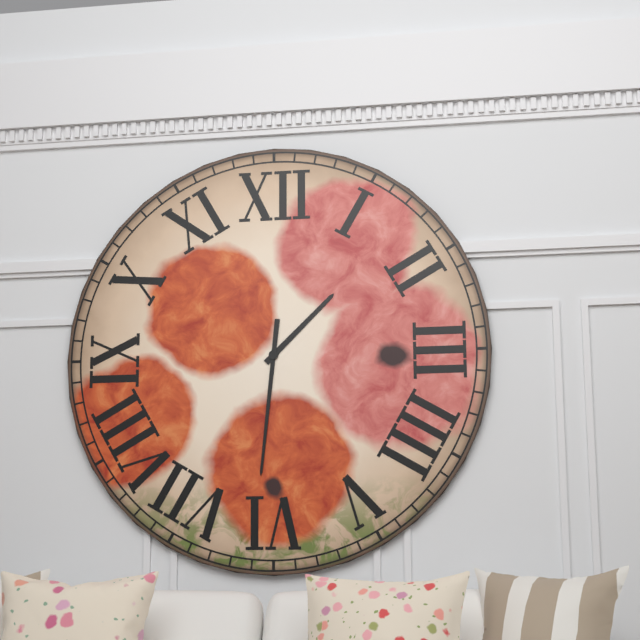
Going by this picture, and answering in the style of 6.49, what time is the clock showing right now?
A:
1.31
